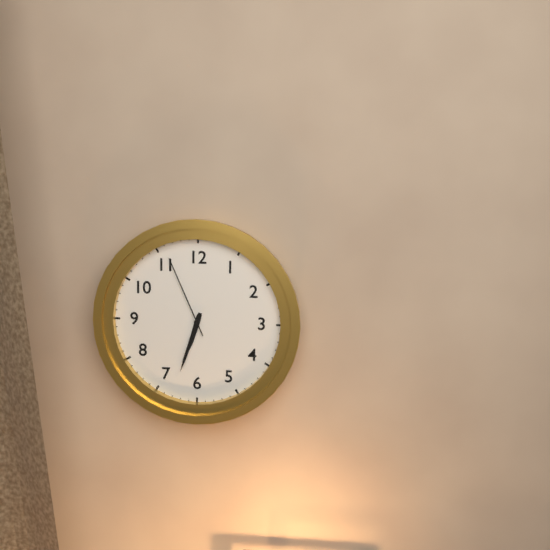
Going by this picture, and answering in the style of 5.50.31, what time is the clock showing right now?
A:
6.33.56
